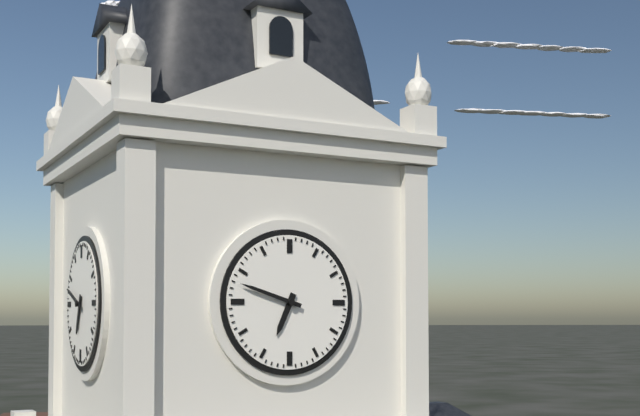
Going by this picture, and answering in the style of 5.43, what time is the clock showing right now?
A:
6.48
